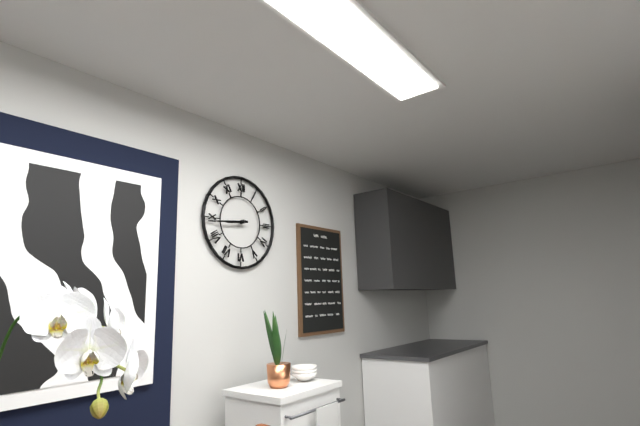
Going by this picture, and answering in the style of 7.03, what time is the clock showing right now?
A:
8.44
